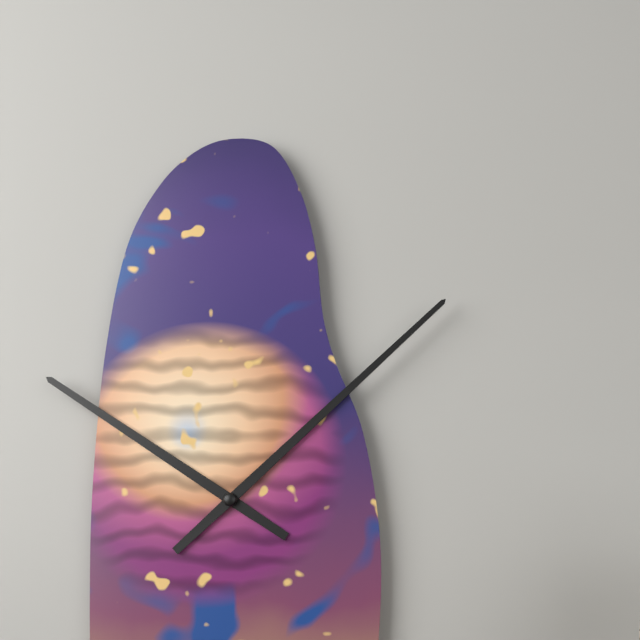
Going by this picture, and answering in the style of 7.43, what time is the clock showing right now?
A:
10.08
